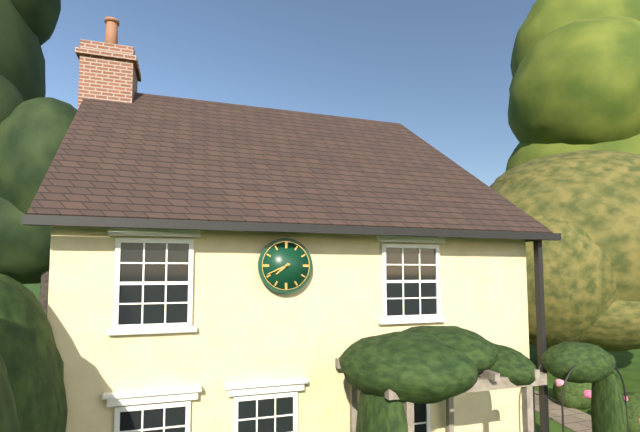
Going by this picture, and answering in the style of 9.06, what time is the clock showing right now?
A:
7.41
